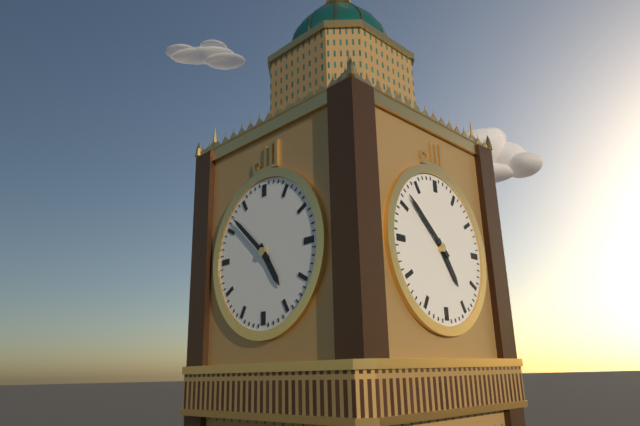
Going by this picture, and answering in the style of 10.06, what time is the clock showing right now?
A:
4.52
